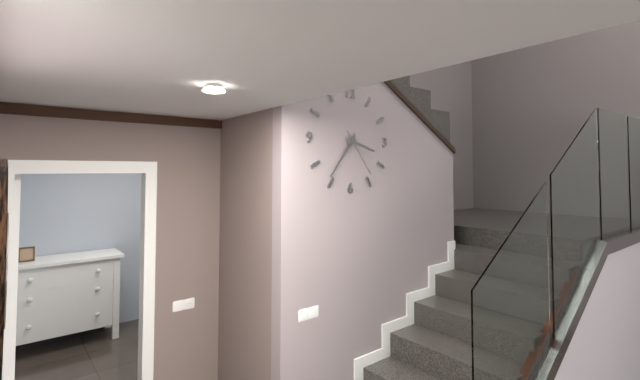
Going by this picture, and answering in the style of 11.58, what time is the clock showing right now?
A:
3.36
